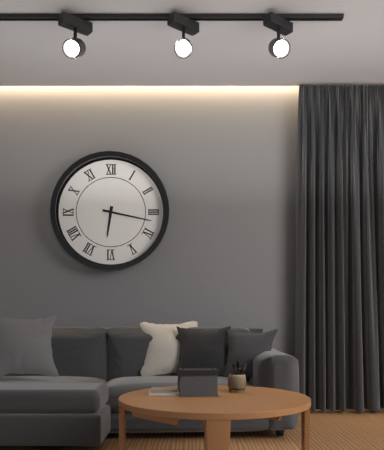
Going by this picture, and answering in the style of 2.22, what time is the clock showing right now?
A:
6.17
